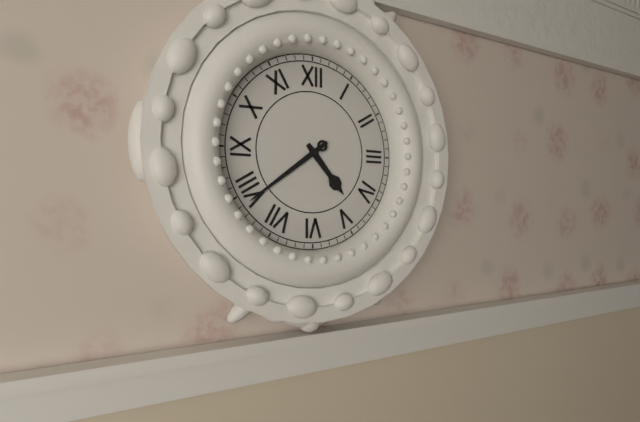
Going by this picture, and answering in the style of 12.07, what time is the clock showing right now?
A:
4.39
